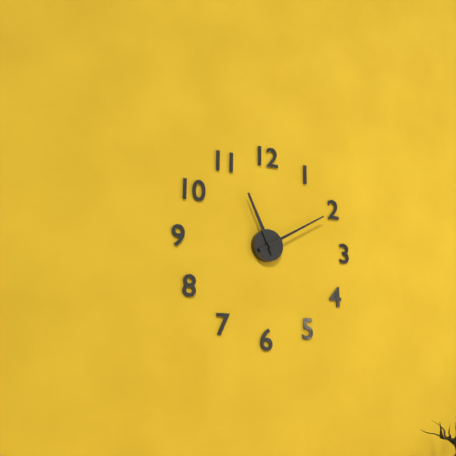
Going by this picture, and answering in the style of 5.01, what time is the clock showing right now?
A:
11.10
